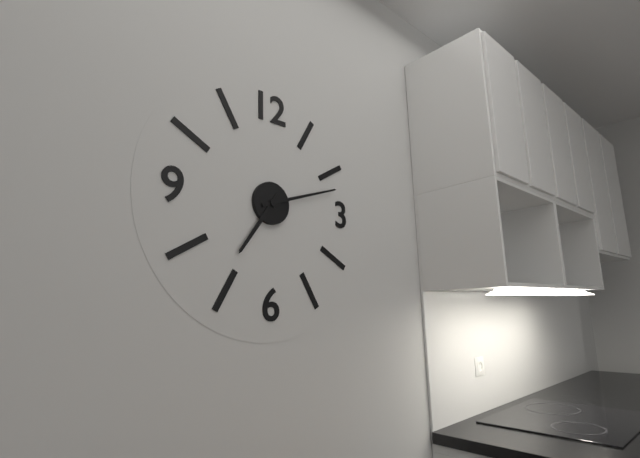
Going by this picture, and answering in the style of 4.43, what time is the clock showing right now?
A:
7.12
